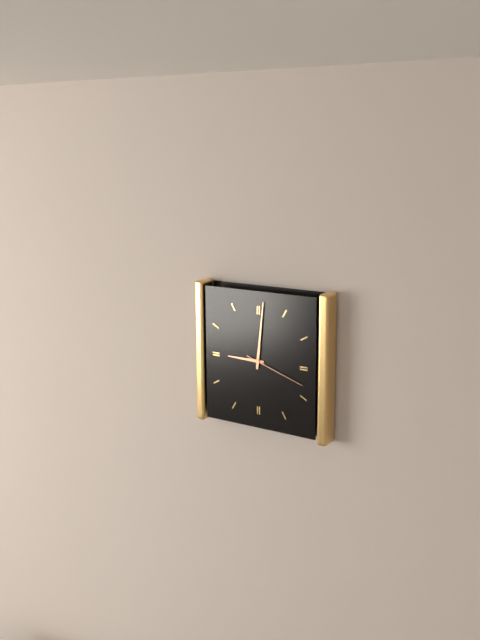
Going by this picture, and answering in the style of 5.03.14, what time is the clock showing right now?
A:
9.01.18
